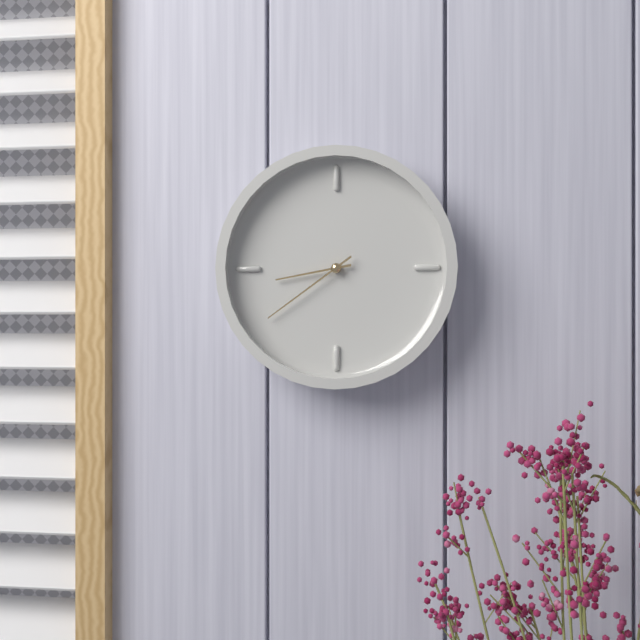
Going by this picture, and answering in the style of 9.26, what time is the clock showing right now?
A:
8.39
